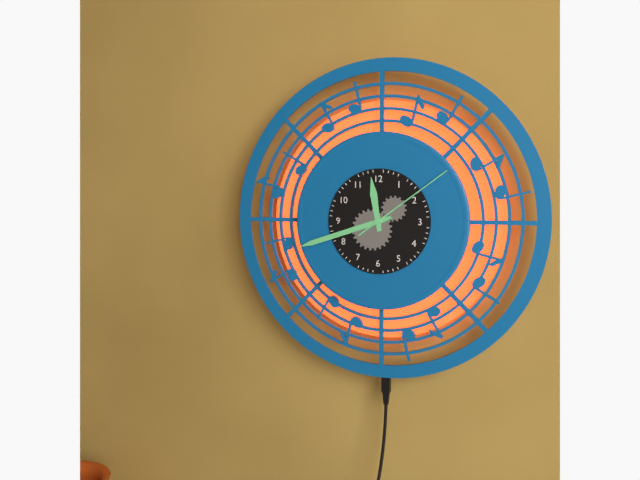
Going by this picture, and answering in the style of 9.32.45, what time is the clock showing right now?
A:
11.42.09
